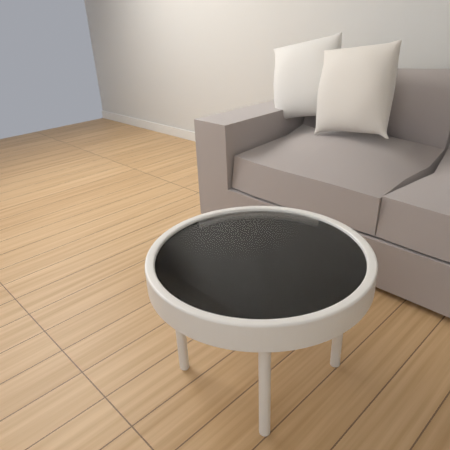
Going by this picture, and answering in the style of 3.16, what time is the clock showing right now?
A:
7.57
